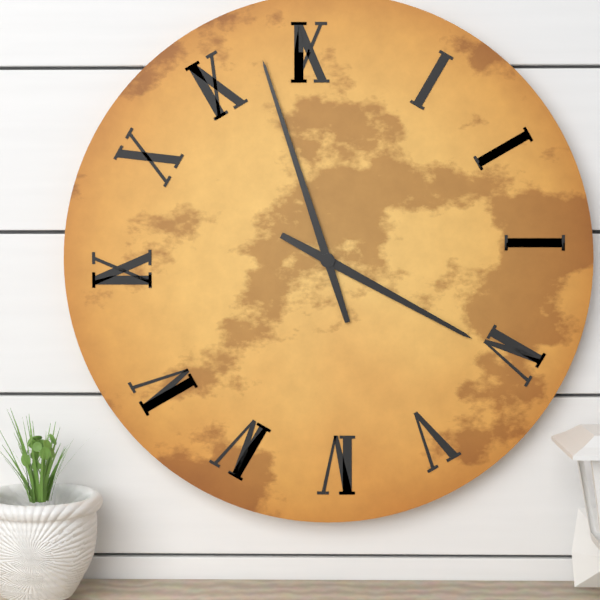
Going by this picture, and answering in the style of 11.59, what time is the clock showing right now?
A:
3.57
